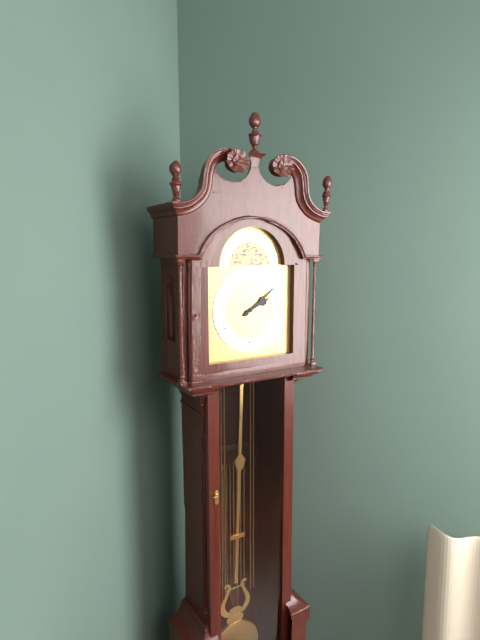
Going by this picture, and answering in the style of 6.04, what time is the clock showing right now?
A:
2.09
